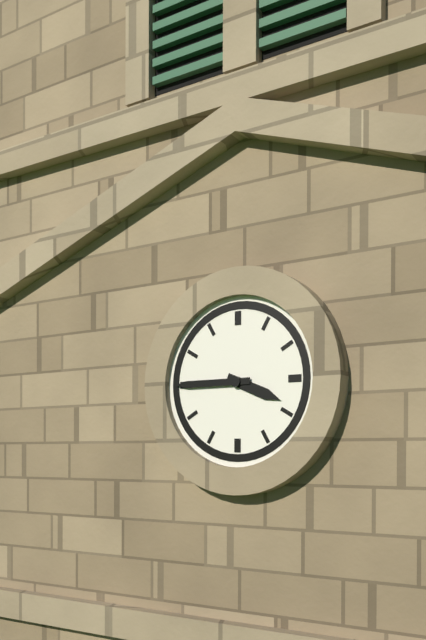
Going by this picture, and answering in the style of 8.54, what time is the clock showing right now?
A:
3.45
